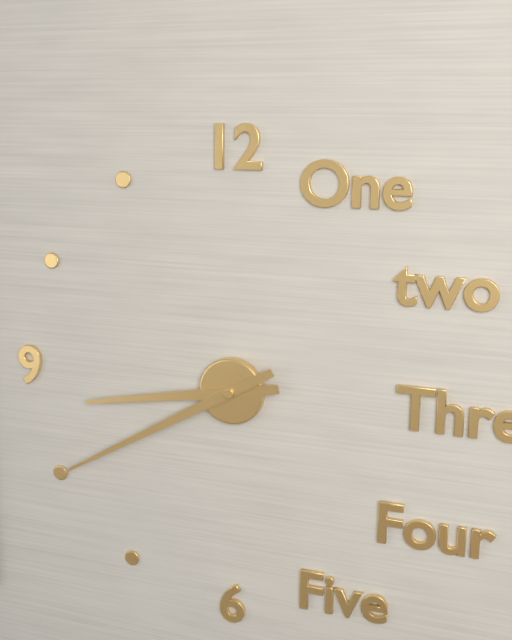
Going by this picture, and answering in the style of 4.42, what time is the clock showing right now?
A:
8.40
